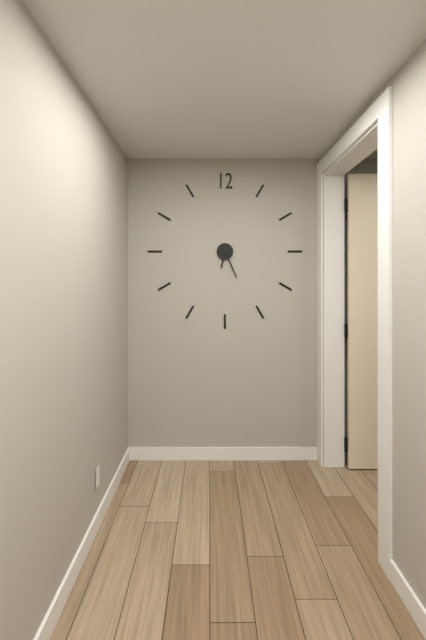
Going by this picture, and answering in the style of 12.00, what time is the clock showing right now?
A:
6.26
